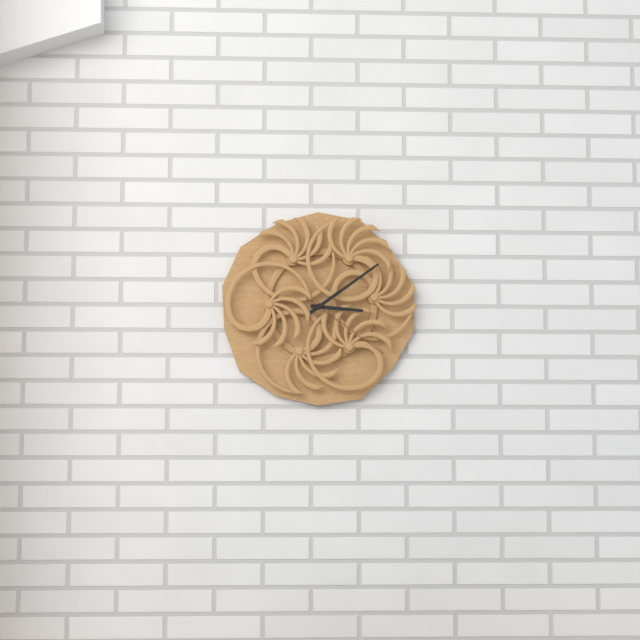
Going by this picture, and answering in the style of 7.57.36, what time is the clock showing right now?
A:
3.09.21
